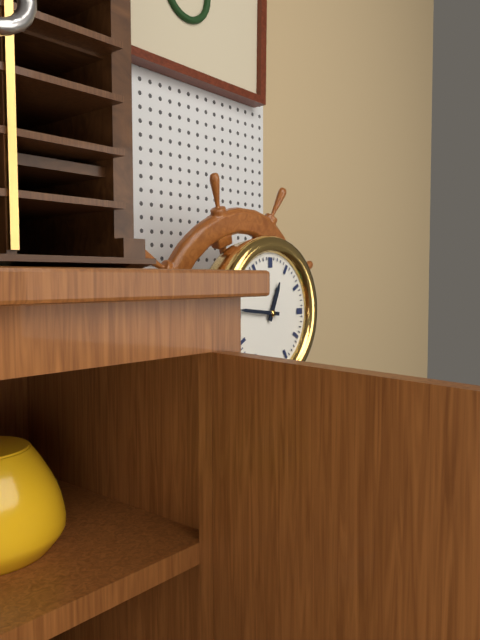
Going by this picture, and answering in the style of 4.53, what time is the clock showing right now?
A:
12.46
